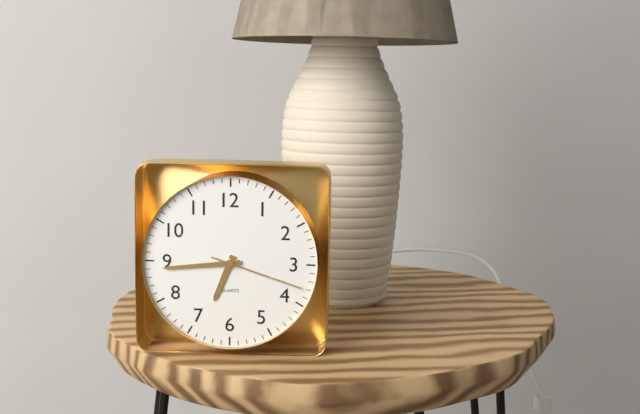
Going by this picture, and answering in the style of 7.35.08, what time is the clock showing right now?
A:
6.44.18
